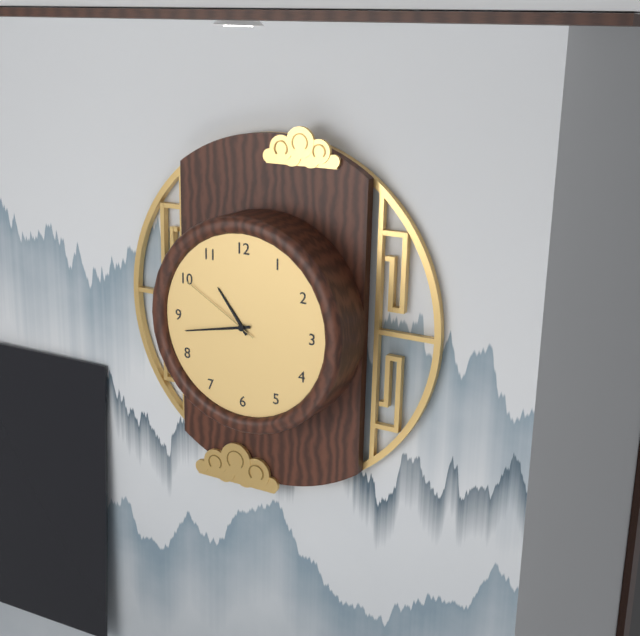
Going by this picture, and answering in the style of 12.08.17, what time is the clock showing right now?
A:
10.43.50
